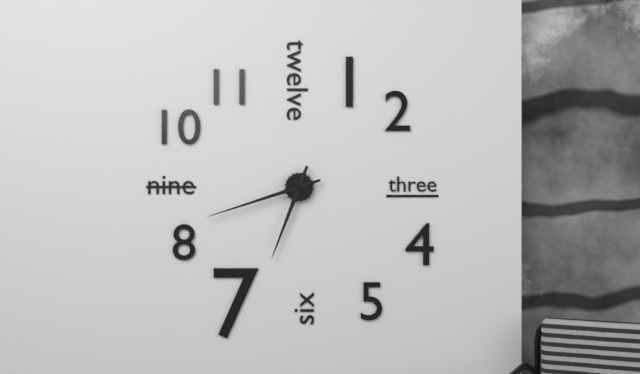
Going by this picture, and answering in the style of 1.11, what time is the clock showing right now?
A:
6.42
